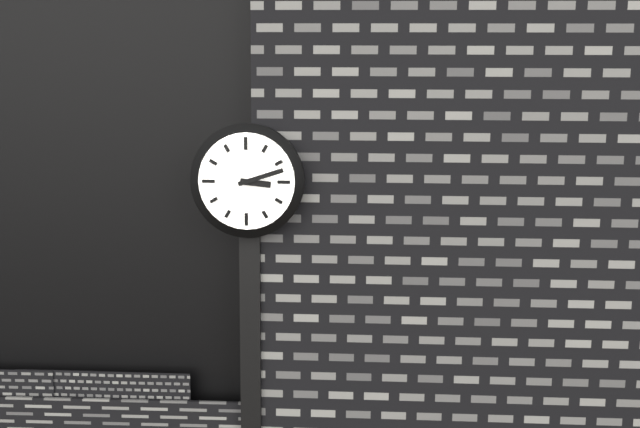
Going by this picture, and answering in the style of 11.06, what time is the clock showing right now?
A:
3.12
